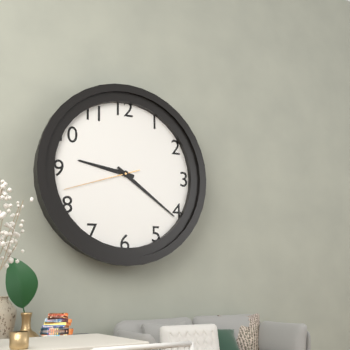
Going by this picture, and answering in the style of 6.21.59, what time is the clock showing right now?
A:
9.21.42
